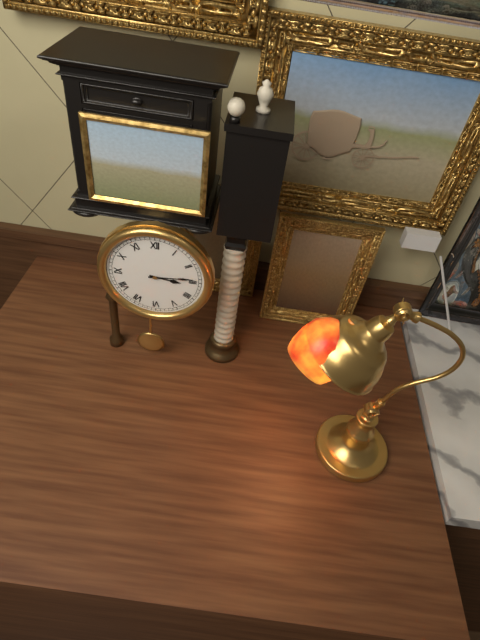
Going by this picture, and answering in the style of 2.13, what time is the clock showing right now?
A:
3.14
